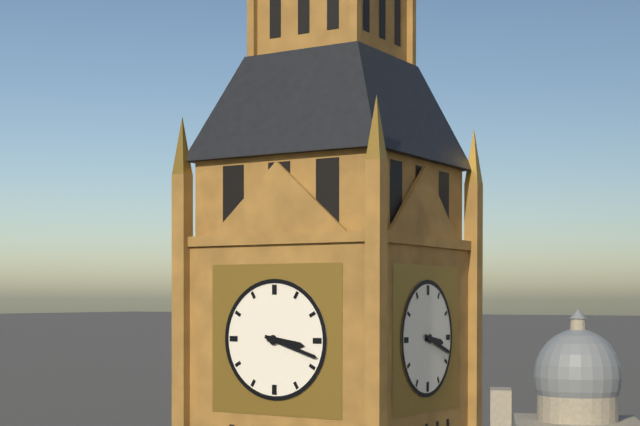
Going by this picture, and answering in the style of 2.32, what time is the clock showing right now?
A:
3.18
